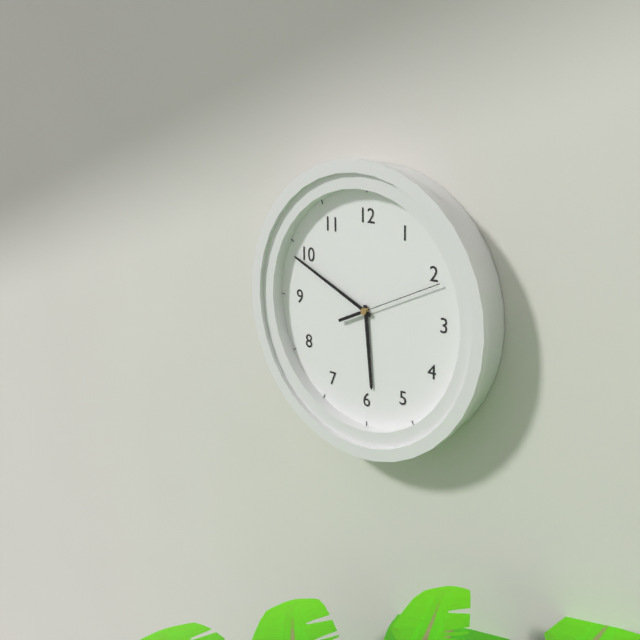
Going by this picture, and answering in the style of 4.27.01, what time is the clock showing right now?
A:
5.49.11
